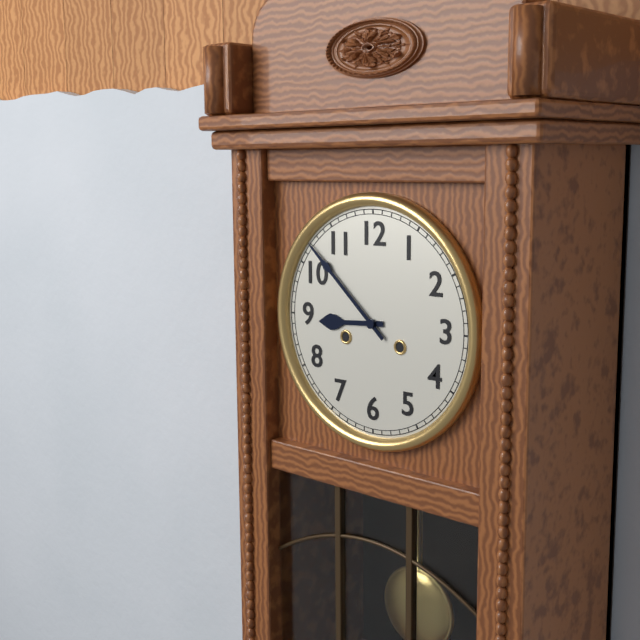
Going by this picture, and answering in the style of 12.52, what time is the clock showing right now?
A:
8.52
